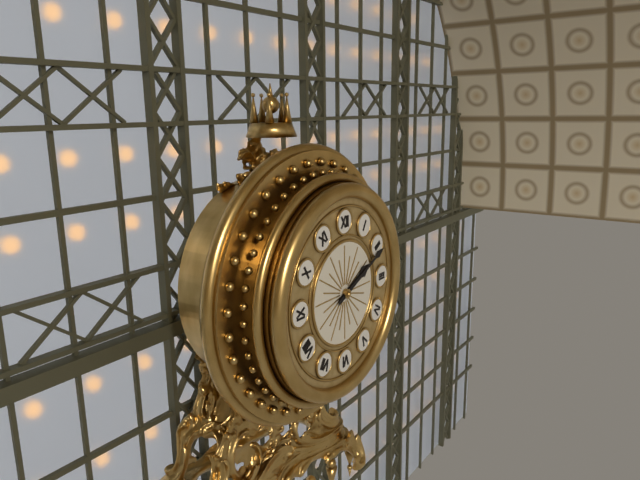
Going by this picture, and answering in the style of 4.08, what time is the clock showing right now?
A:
2.11
